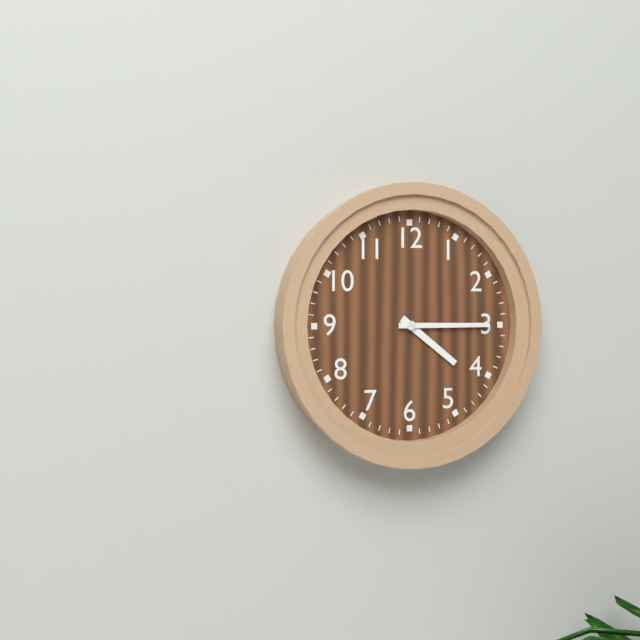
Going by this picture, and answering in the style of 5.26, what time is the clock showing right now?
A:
4.15
